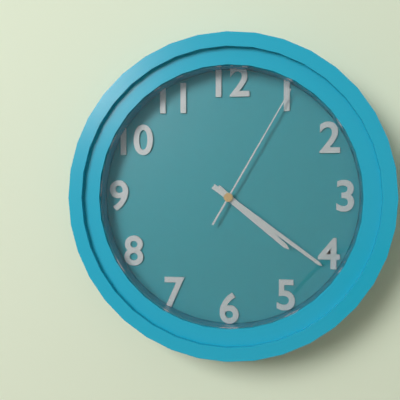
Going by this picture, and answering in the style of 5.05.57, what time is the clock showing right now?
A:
4.21.05
